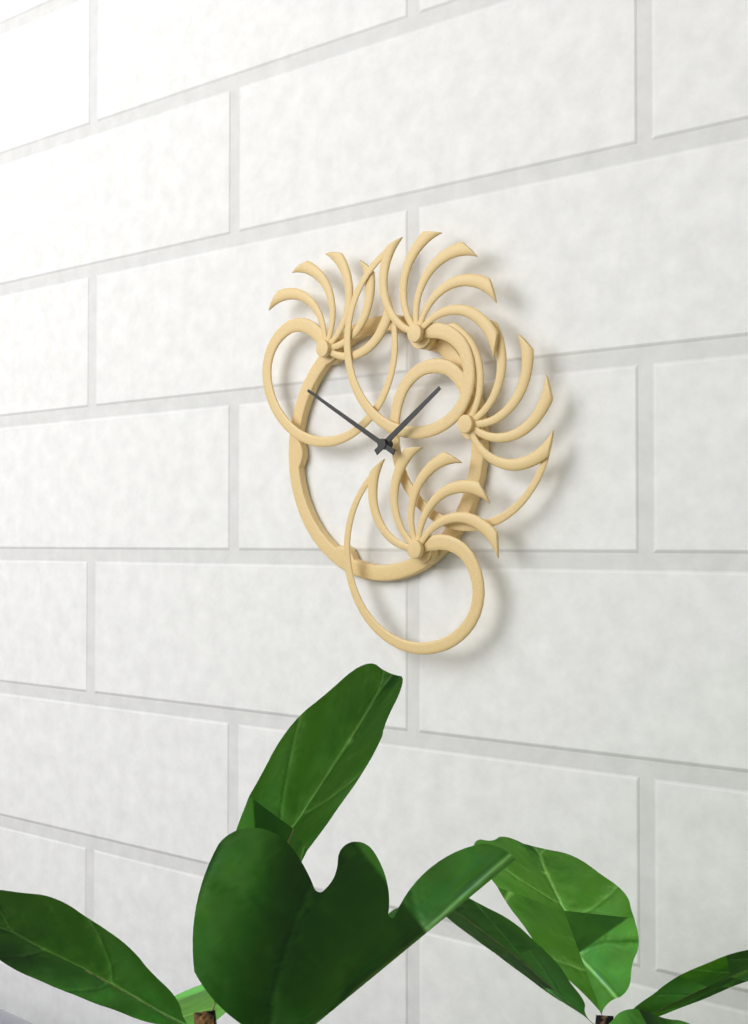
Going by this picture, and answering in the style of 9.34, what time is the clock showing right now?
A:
1.50
